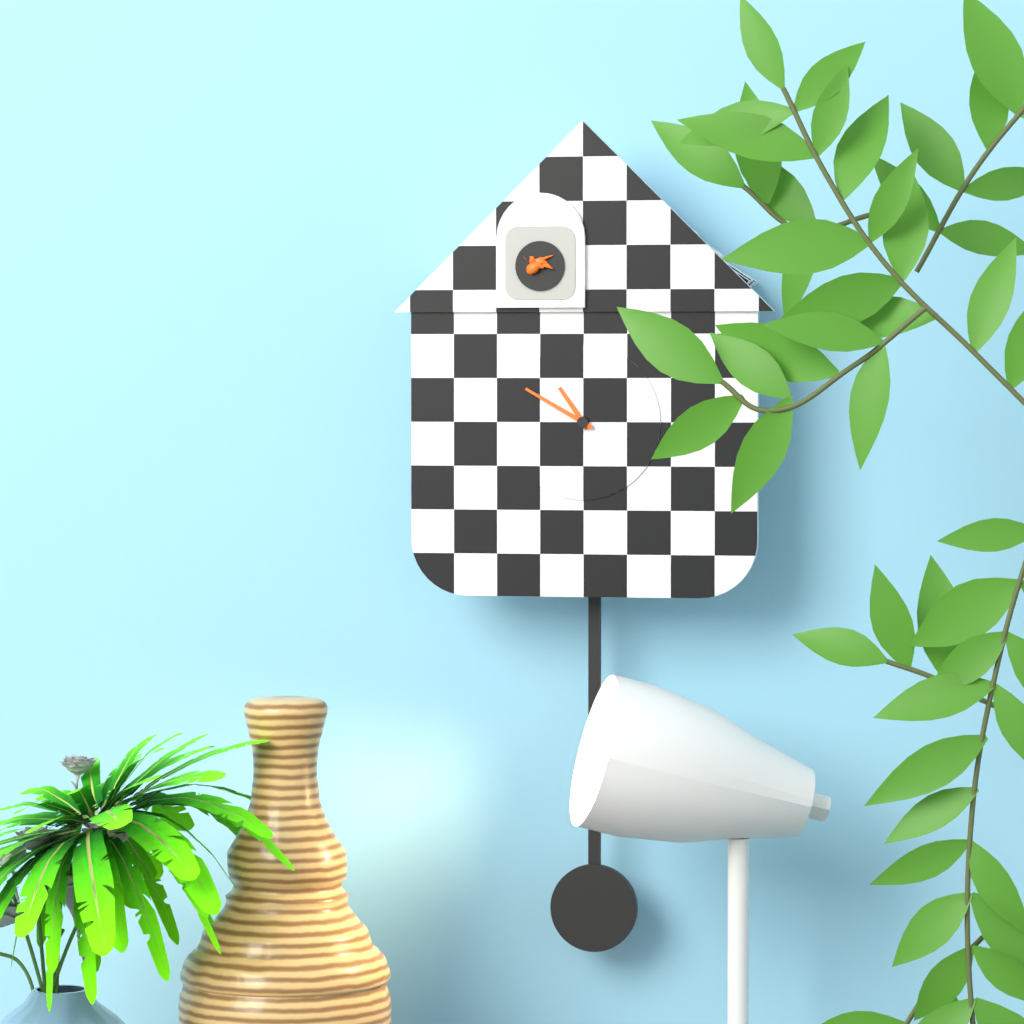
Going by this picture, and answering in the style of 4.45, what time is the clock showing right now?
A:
10.50
